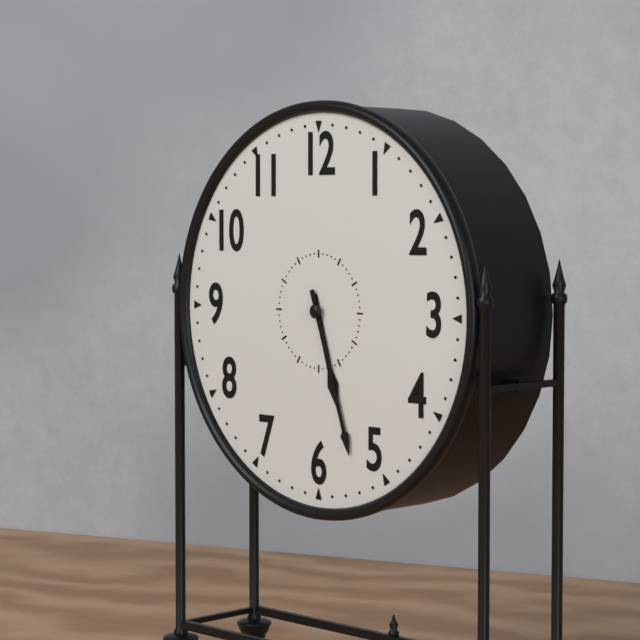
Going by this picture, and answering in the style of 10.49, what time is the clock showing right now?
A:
5.27
